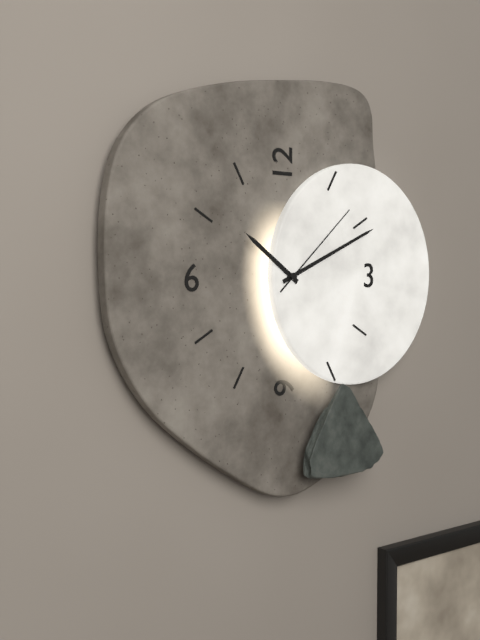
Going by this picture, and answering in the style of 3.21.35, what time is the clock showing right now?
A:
10.11.08
